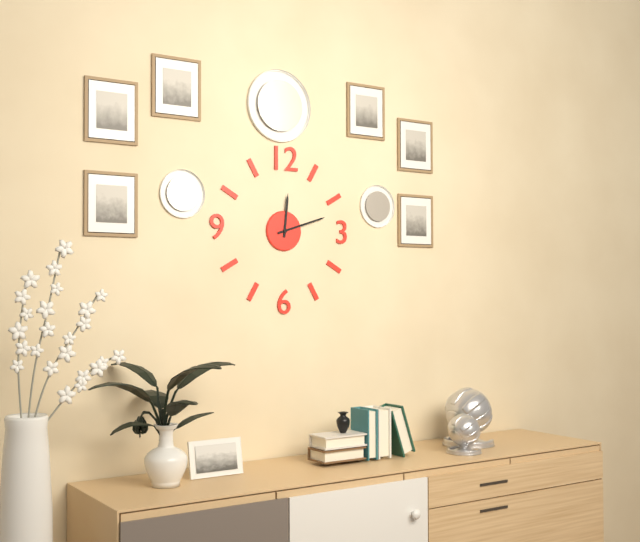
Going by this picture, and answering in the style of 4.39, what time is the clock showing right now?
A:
12.12
